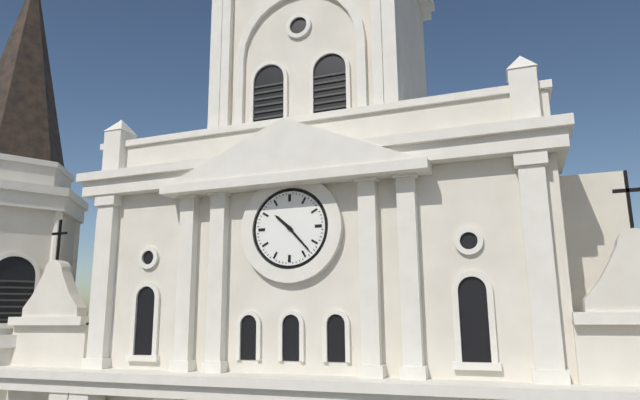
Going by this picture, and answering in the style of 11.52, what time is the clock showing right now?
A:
10.23
